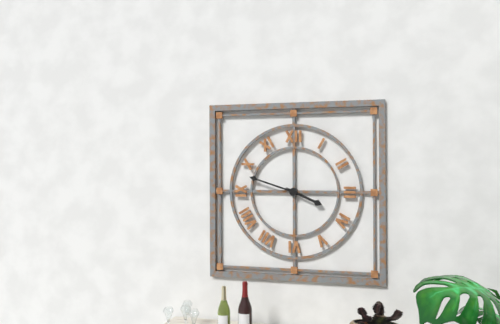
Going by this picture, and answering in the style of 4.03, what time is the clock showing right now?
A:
3.48
